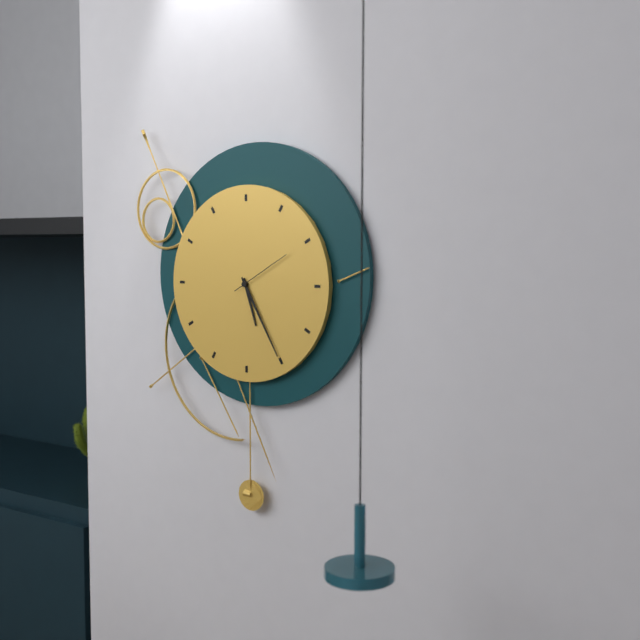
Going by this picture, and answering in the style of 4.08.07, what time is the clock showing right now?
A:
5.25.10
